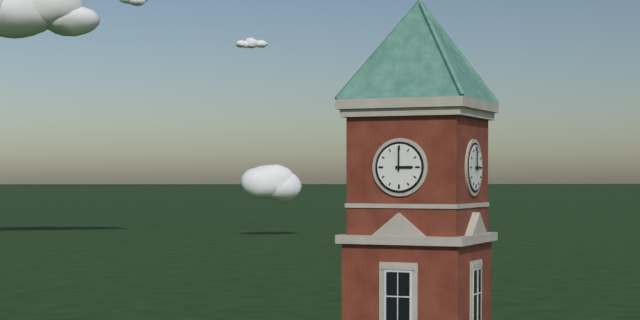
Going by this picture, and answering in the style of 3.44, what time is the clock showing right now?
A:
3.00
